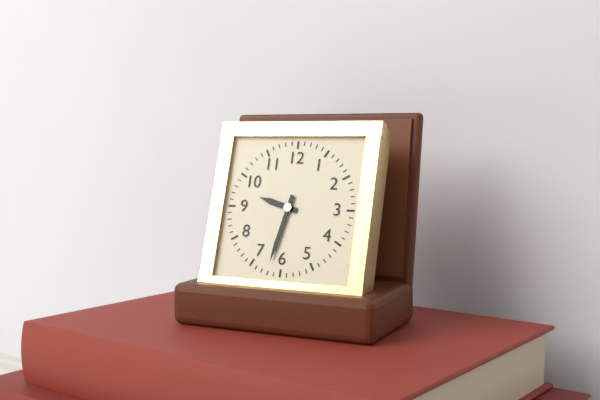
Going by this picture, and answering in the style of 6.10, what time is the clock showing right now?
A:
9.32
